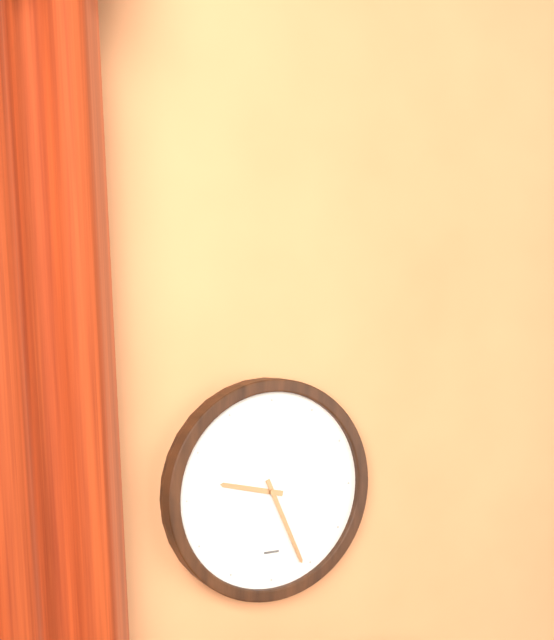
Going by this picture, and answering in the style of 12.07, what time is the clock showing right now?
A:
9.26
